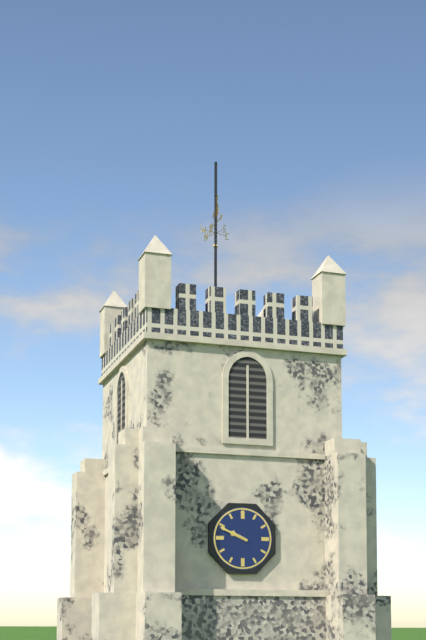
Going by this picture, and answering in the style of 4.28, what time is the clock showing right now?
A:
9.49
